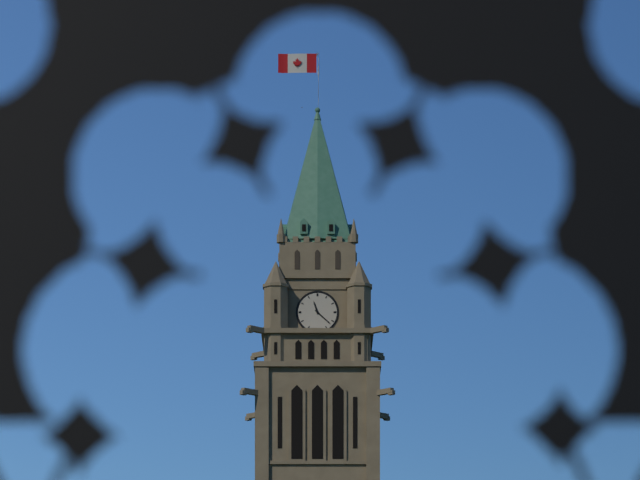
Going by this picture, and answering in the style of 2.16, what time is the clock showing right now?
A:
11.22
